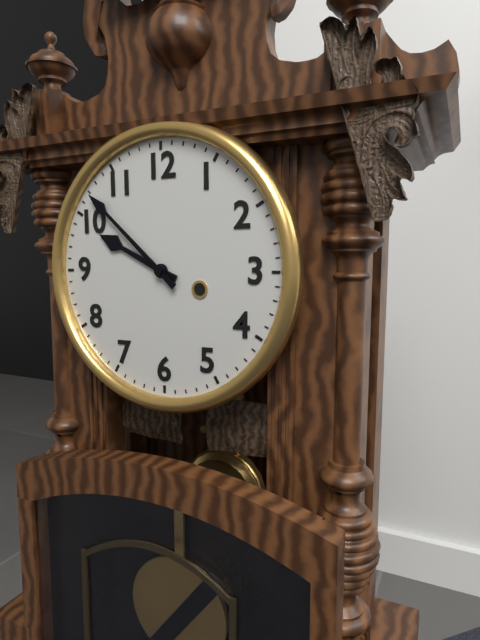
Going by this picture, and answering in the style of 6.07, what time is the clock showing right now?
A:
9.52
